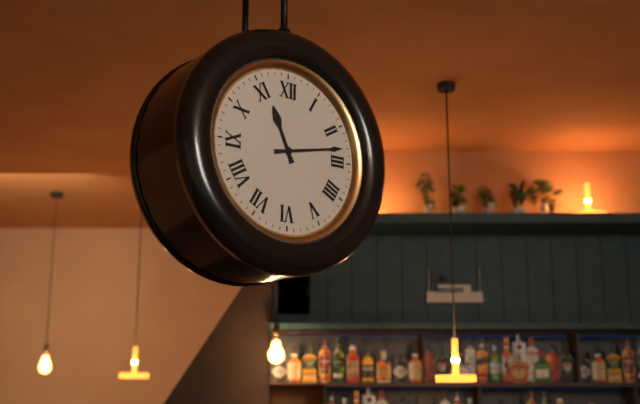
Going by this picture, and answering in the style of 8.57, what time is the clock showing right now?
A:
11.13
